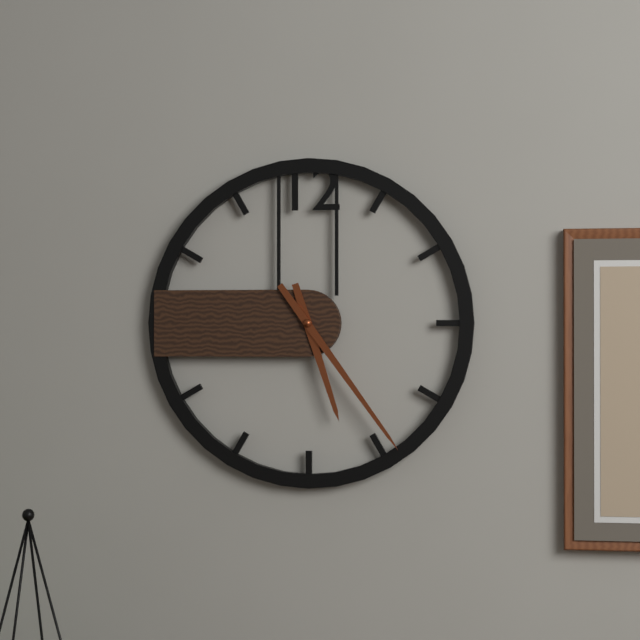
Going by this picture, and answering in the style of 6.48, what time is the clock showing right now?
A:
5.24
